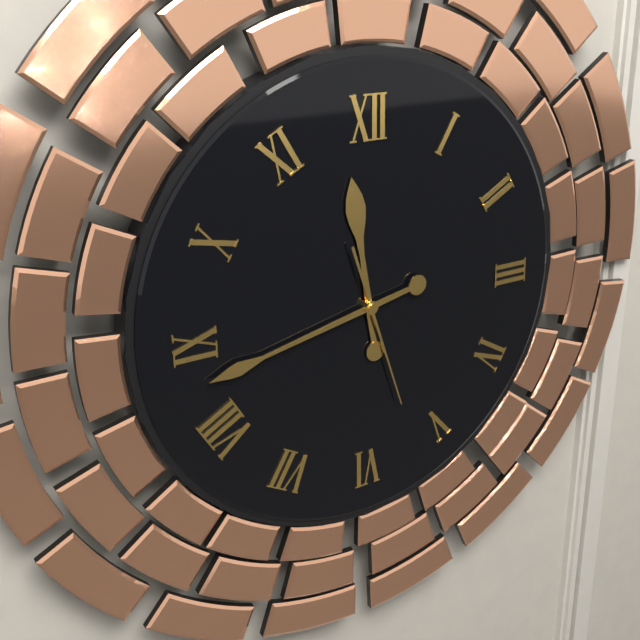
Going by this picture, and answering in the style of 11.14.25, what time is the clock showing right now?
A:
11.43.27
